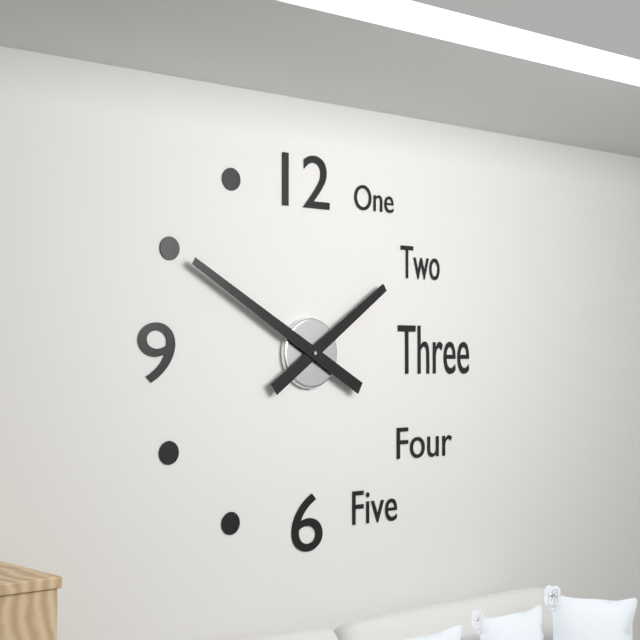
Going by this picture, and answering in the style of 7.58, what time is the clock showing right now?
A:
1.50
